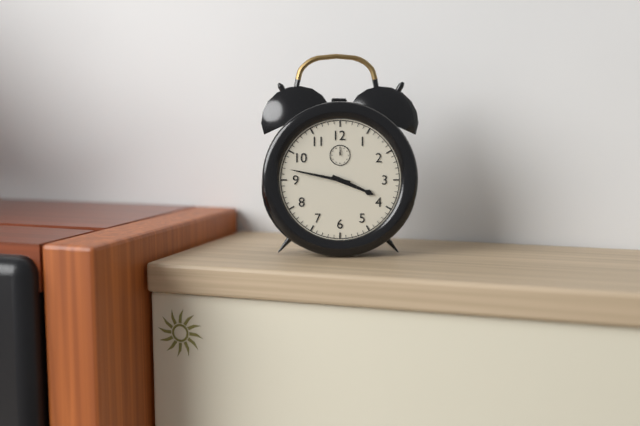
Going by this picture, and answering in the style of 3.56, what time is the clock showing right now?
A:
3.47
